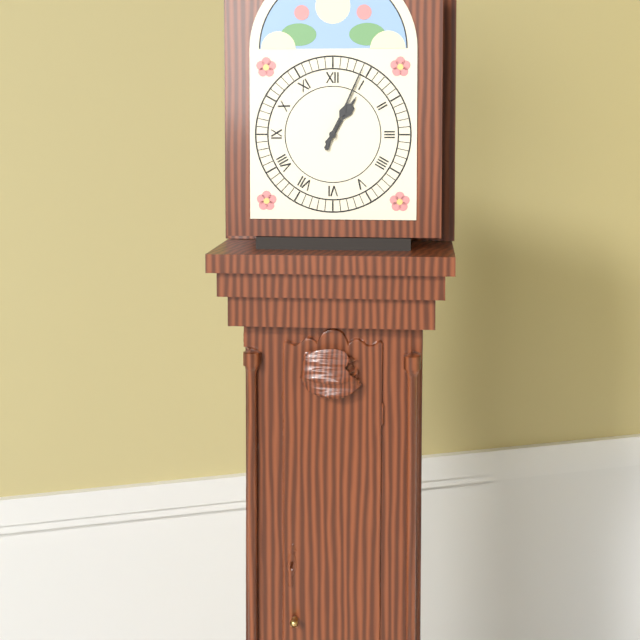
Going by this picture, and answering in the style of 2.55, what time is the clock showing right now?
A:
1.04
